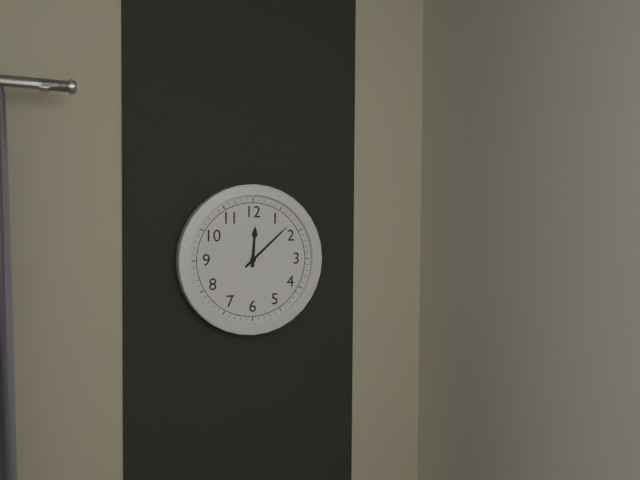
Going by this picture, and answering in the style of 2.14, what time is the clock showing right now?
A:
12.08
